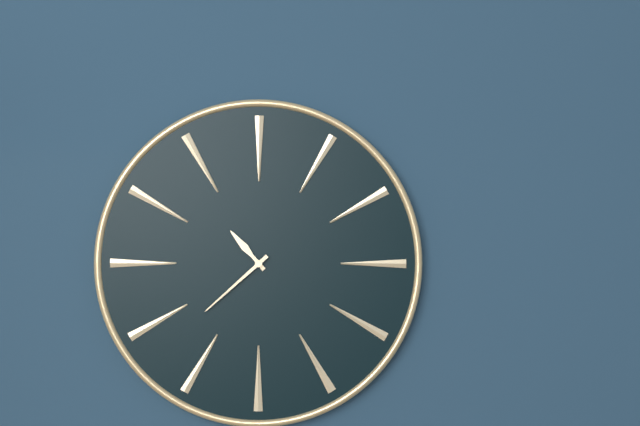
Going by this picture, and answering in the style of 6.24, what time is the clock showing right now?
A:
10.38
